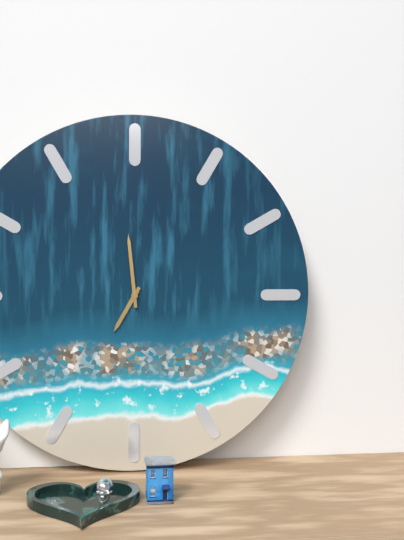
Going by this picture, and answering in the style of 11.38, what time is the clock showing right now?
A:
6.59
